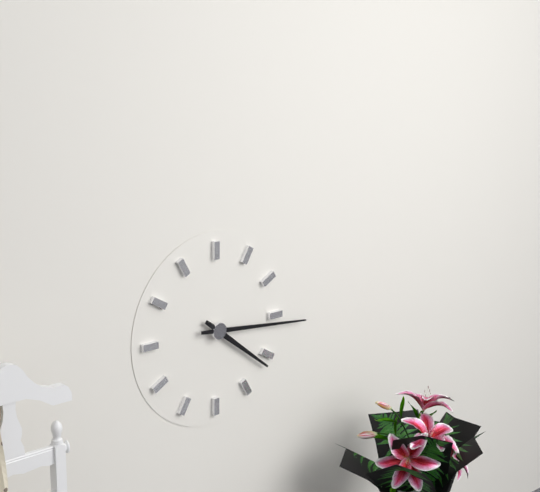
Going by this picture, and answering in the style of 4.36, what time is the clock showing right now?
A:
4.16
